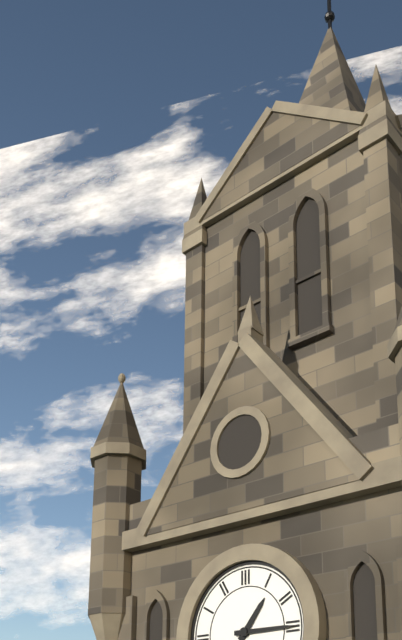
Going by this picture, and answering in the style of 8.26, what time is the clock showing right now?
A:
1.15
